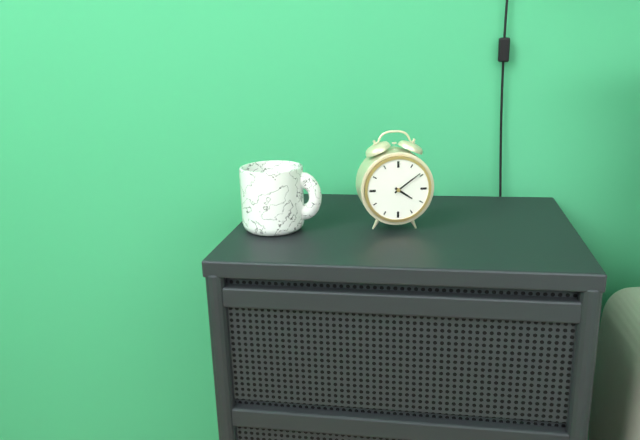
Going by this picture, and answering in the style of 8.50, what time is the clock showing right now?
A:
4.09
